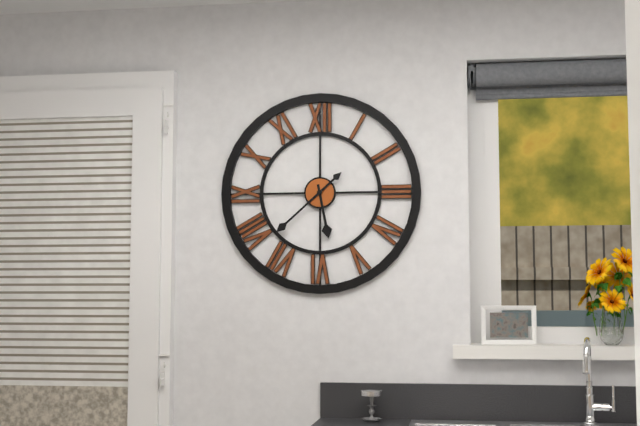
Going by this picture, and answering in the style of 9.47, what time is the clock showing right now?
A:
5.38
